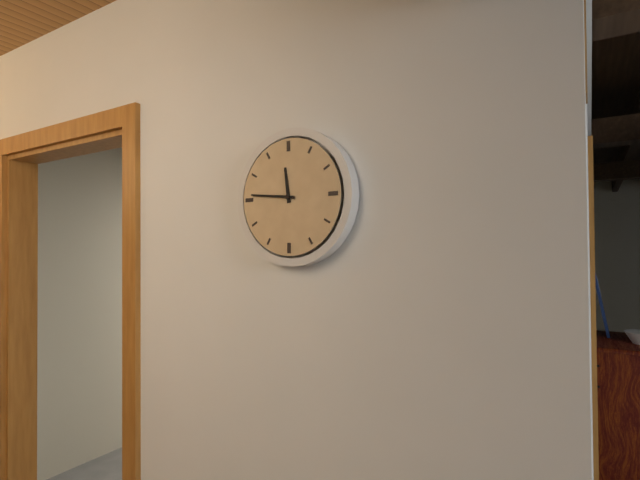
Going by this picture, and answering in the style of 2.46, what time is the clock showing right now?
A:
11.46
